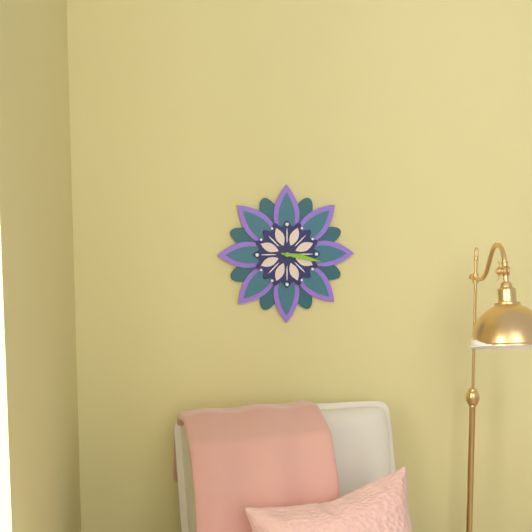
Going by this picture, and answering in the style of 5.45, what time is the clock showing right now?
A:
3.17
